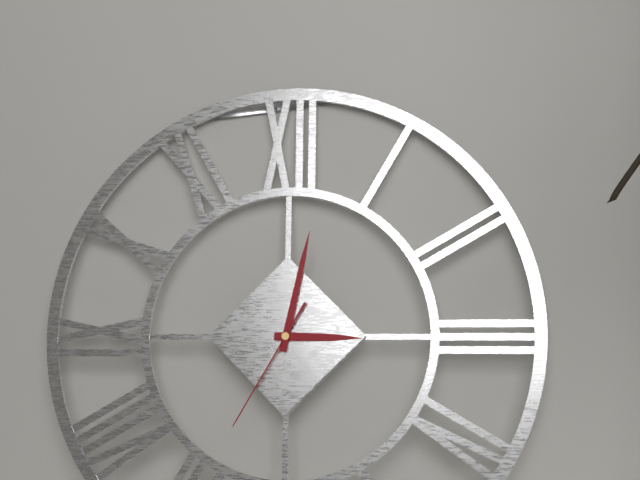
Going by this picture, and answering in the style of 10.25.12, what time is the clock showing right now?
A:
3.02.35
